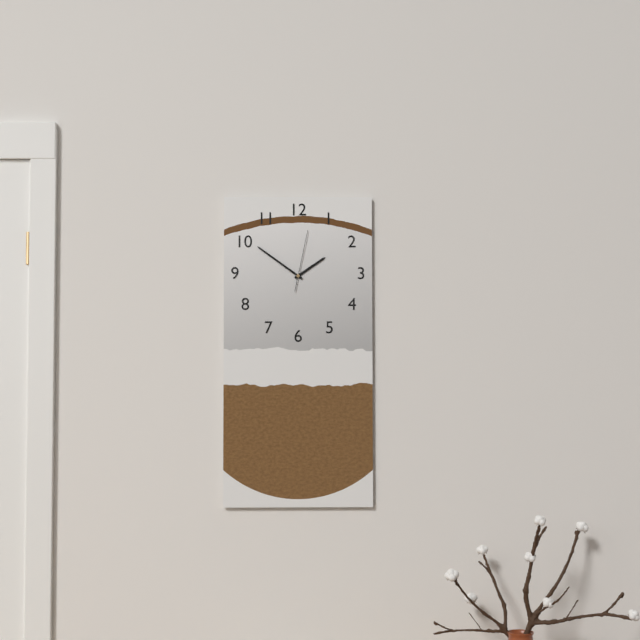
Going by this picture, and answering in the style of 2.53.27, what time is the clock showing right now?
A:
1.51.02
